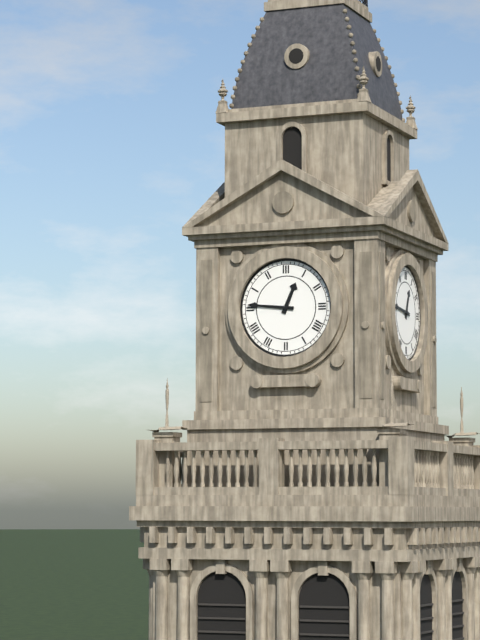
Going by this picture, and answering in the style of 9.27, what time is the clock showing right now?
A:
12.46
